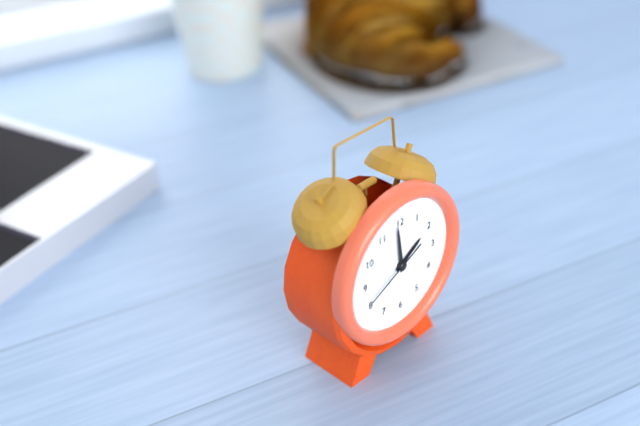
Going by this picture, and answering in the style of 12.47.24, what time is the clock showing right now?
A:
1.59.41
